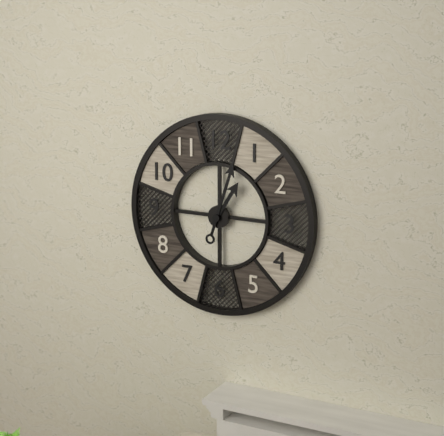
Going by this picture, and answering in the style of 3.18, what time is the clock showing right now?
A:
1.03
